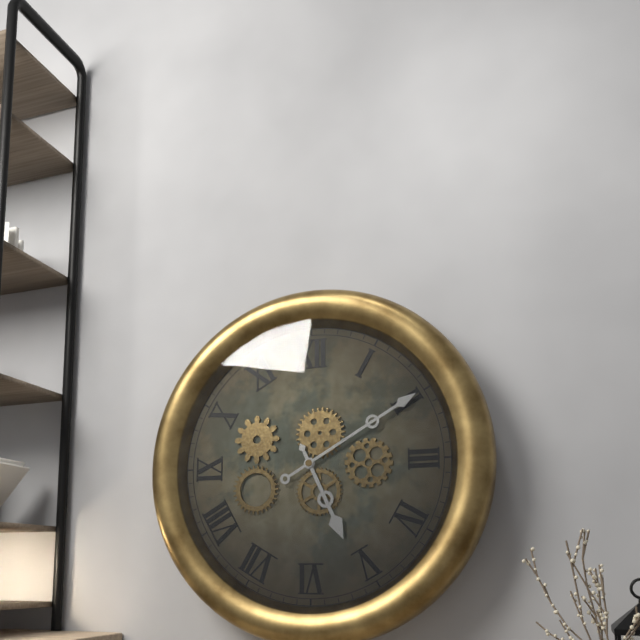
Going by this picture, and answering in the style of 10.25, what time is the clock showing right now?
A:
5.10
